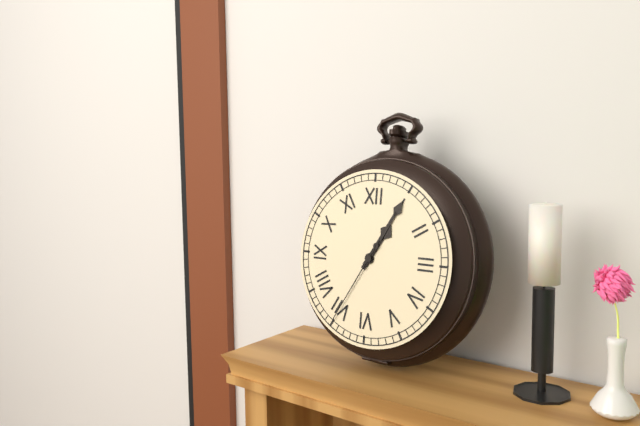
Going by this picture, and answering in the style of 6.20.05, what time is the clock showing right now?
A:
1.05.35
